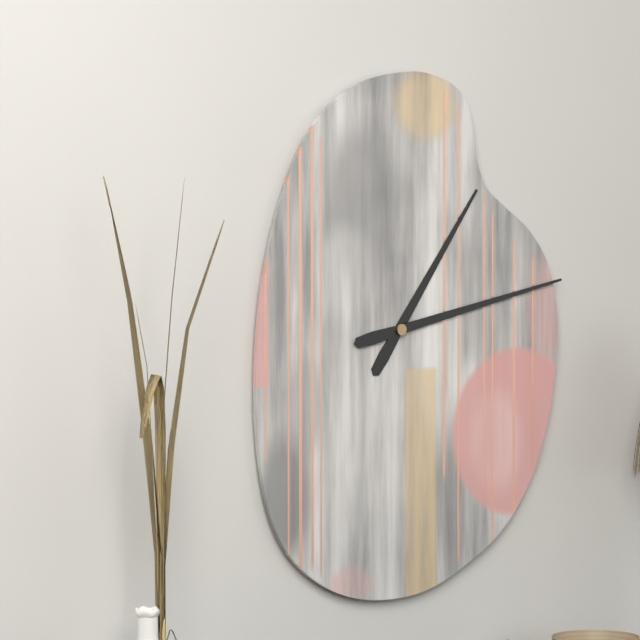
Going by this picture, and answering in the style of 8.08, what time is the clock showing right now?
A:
1.13
